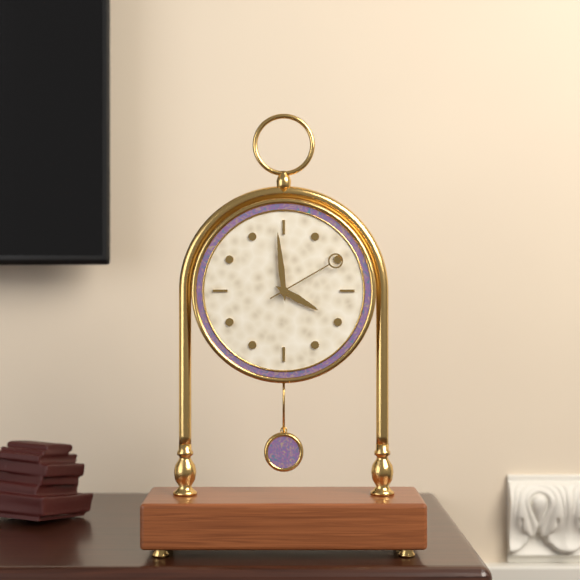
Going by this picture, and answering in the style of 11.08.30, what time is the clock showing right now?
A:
3.59.10
